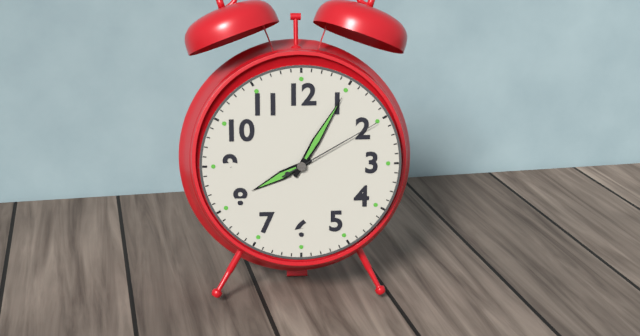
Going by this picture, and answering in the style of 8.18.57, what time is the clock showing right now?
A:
8.05.10
